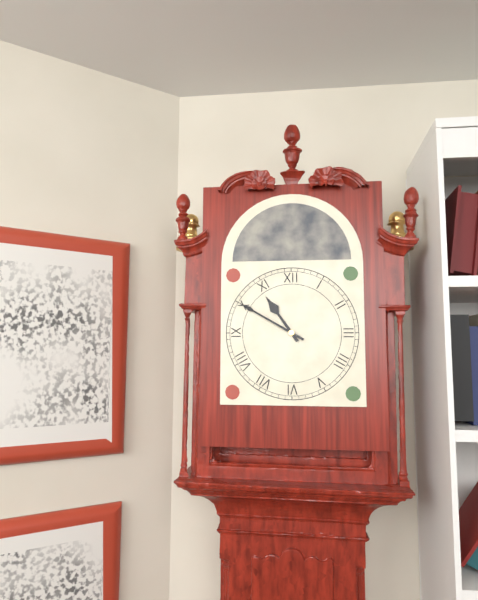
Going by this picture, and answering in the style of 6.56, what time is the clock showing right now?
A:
10.50
